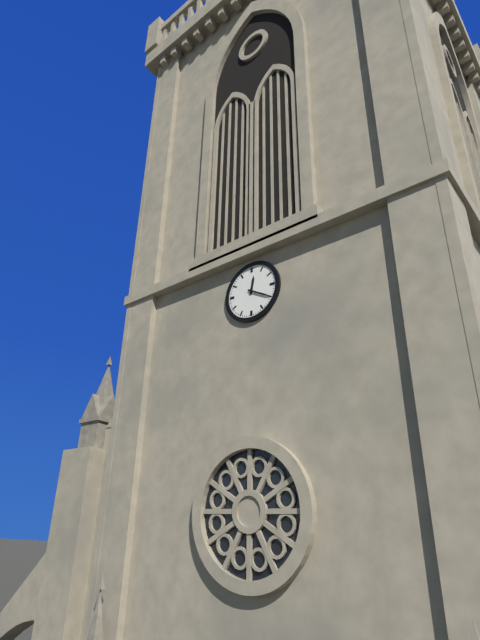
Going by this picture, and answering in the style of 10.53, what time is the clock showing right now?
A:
12.20
